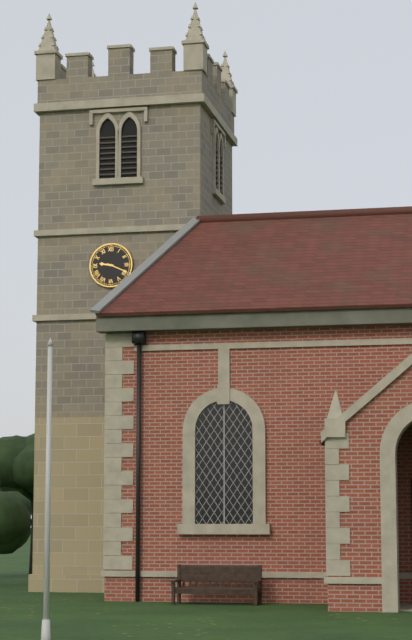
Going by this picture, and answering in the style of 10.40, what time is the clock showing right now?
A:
9.19
